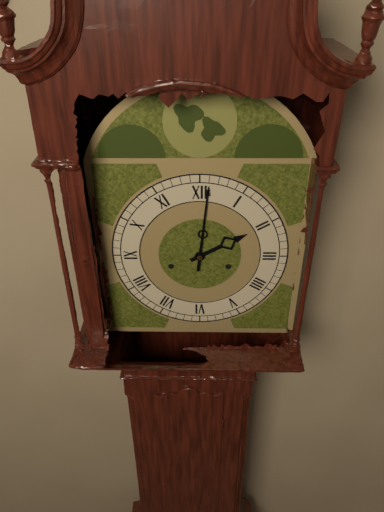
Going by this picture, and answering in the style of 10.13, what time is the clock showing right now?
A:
2.01
